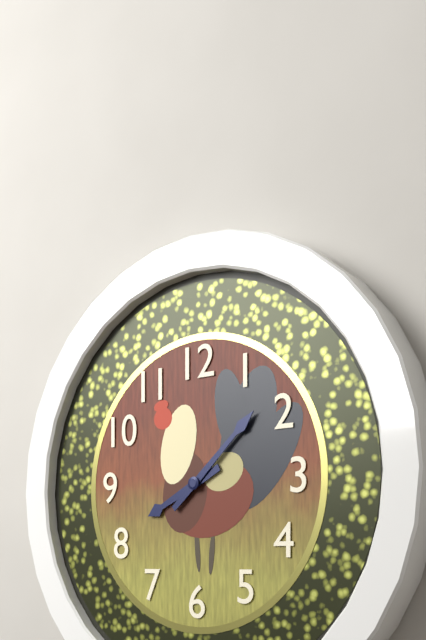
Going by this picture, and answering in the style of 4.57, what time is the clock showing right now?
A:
8.08
